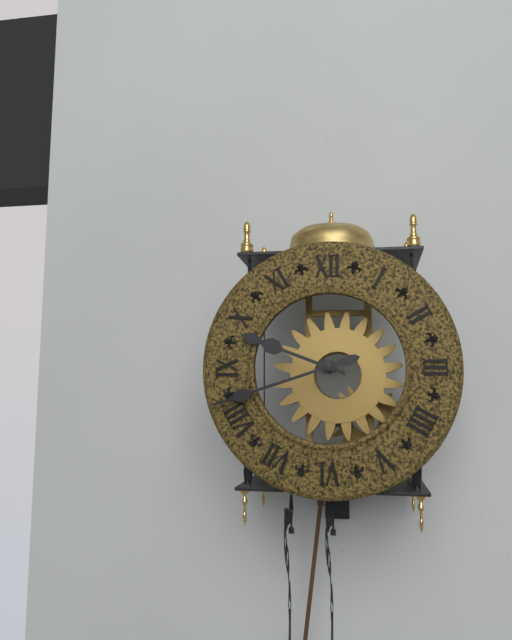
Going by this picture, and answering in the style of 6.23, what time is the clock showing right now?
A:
9.42
